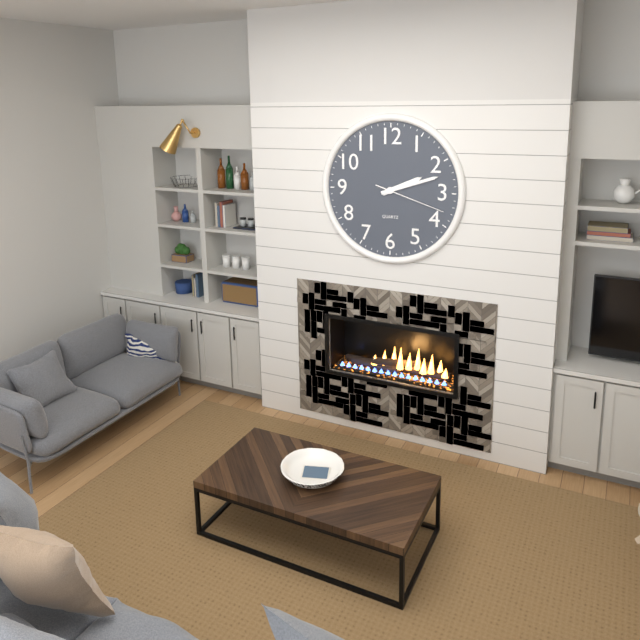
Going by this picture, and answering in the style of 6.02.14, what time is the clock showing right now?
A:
2.12.18
